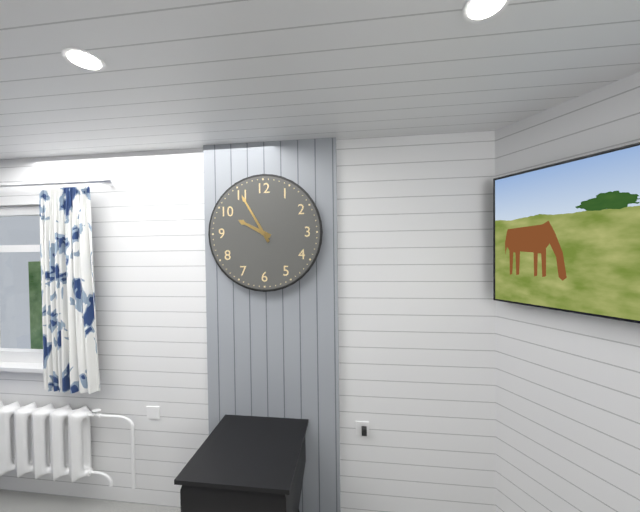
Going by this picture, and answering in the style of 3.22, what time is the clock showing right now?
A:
9.55
